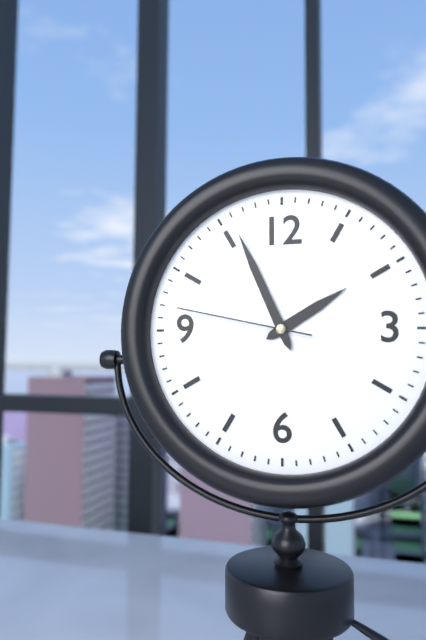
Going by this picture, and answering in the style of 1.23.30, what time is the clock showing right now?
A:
1.56.47
